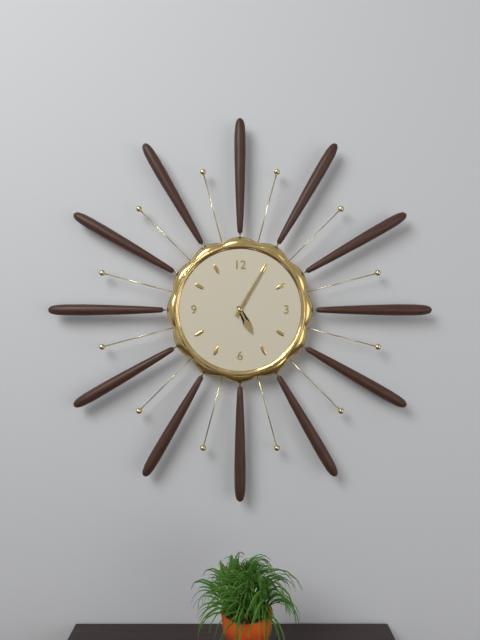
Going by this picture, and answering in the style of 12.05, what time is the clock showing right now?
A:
5.05
